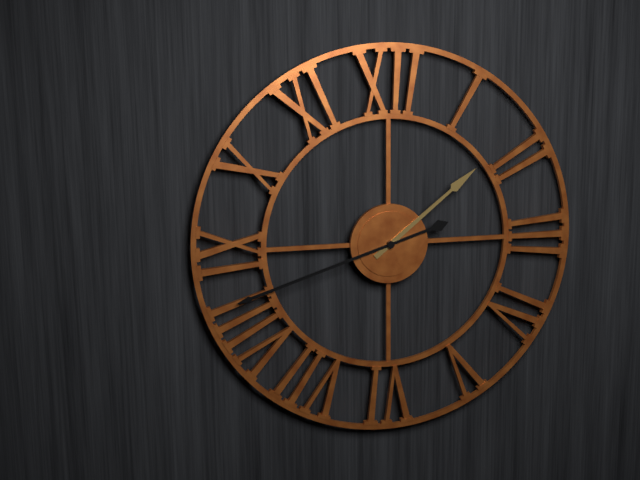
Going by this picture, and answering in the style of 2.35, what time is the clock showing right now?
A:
1.42
